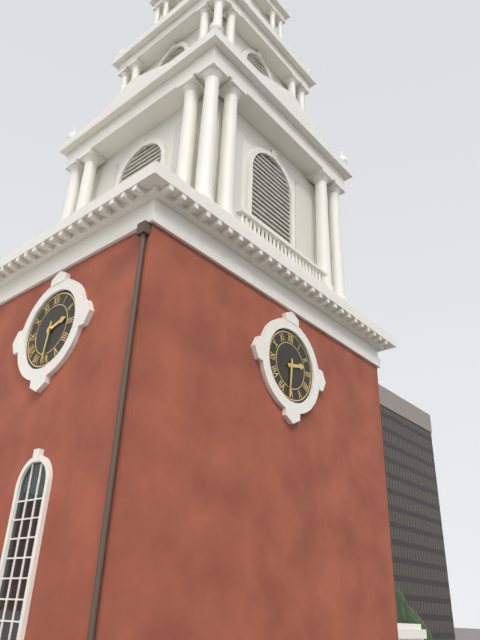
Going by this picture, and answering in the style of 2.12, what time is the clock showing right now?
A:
2.31
